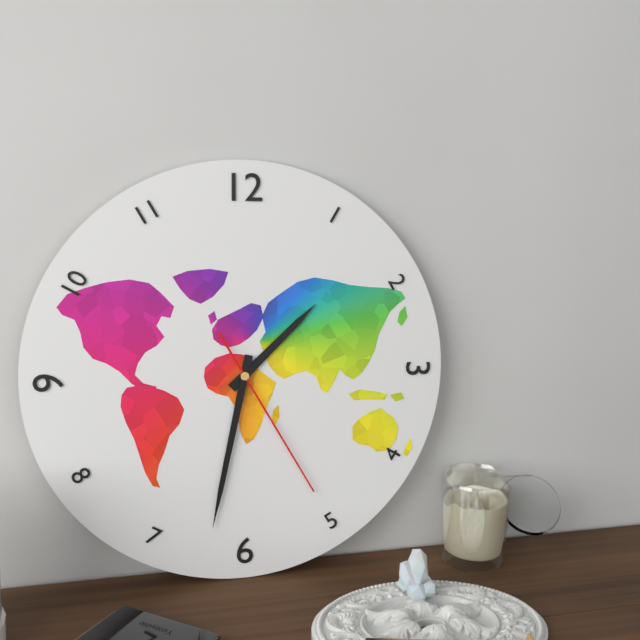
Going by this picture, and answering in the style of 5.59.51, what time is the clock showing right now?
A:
1.32.25
